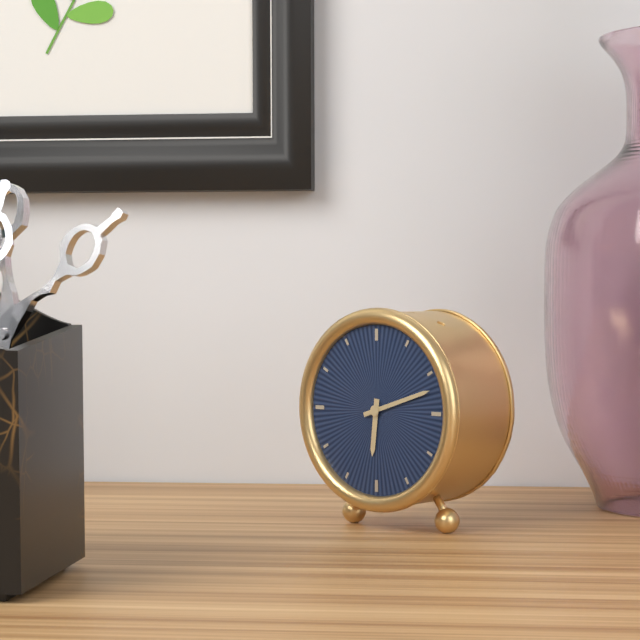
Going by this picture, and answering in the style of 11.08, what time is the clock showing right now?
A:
6.12
